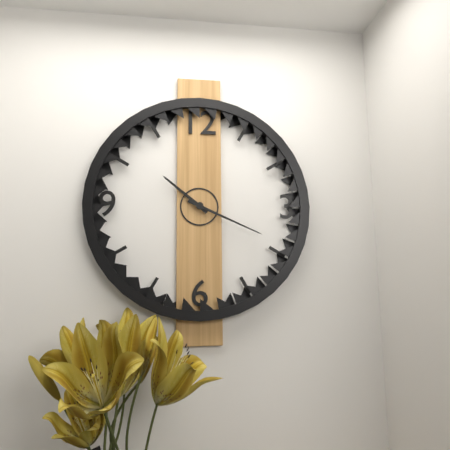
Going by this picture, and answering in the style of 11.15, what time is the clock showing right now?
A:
10.19
